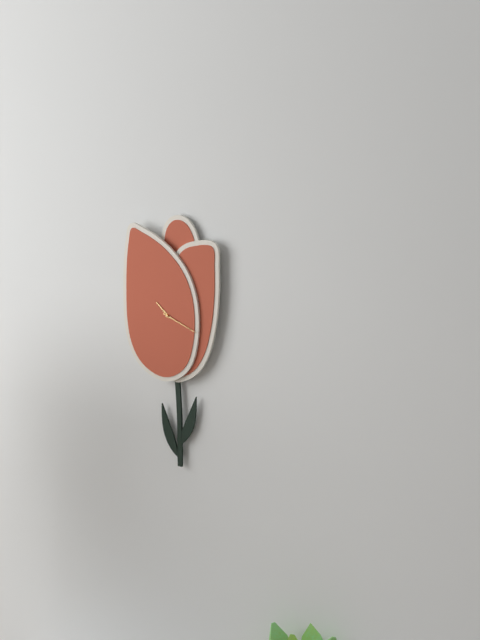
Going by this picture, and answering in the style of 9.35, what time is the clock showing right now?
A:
10.18
